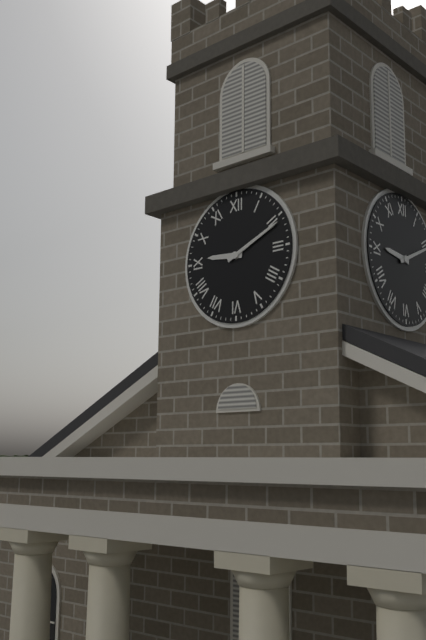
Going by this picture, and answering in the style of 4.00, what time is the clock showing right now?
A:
9.11
